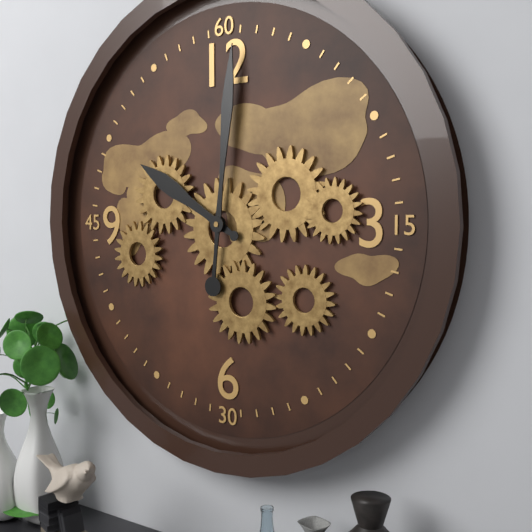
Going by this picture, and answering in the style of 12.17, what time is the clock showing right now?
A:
10.01
